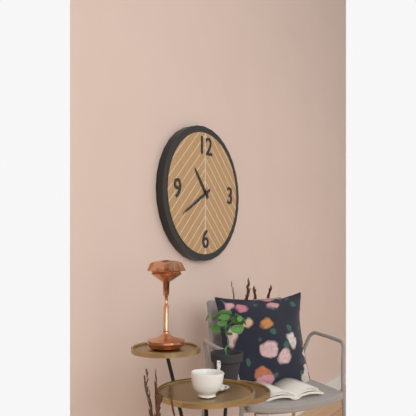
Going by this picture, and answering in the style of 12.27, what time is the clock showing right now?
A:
10.40
